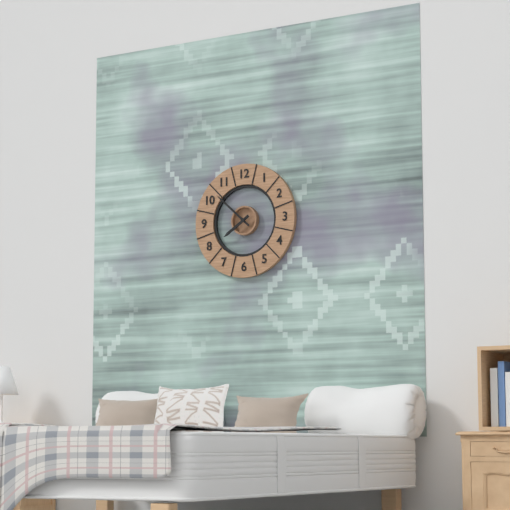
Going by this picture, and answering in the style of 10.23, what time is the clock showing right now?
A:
7.52
